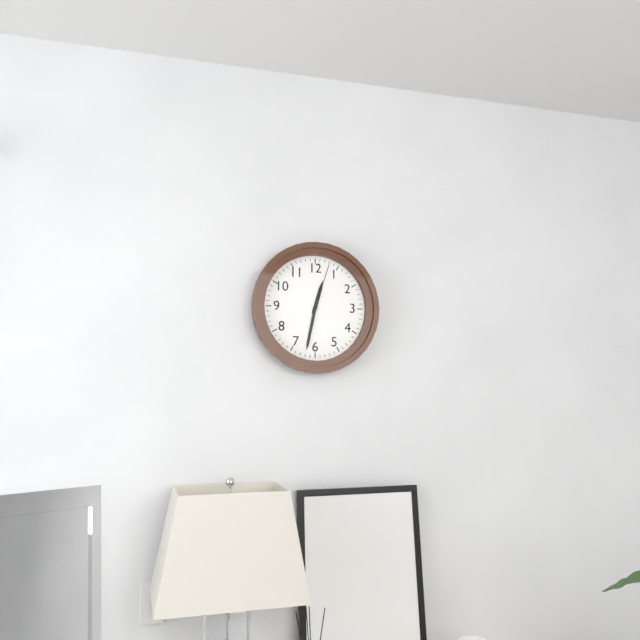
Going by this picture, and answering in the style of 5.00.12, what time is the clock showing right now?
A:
12.32.03
